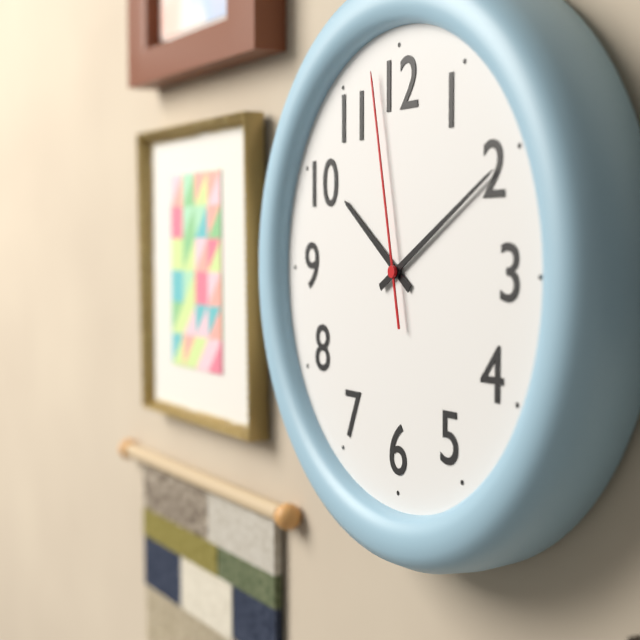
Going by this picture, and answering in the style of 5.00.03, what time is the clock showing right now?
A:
10.10.58
